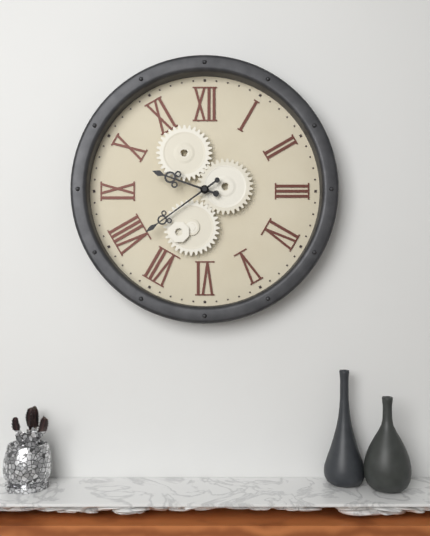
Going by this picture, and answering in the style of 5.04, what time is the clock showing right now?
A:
9.39
